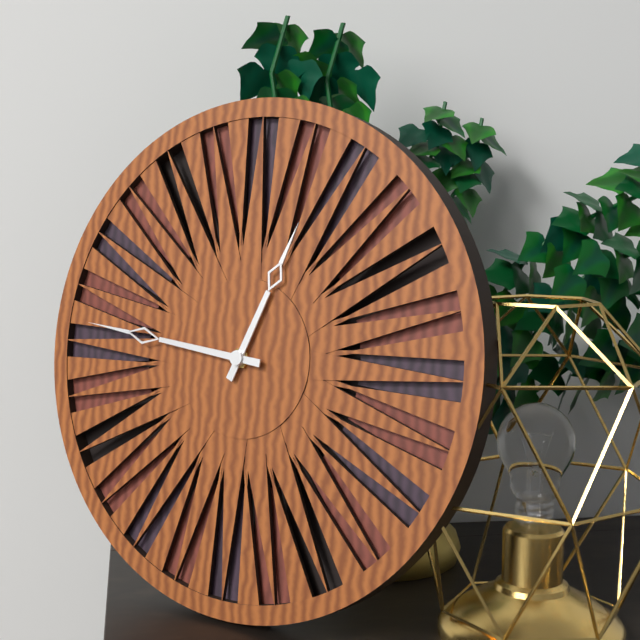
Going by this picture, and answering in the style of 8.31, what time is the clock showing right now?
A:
12.46
